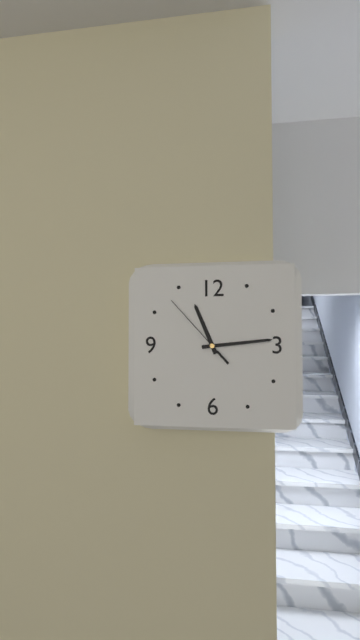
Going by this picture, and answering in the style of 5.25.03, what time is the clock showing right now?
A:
11.14.53
